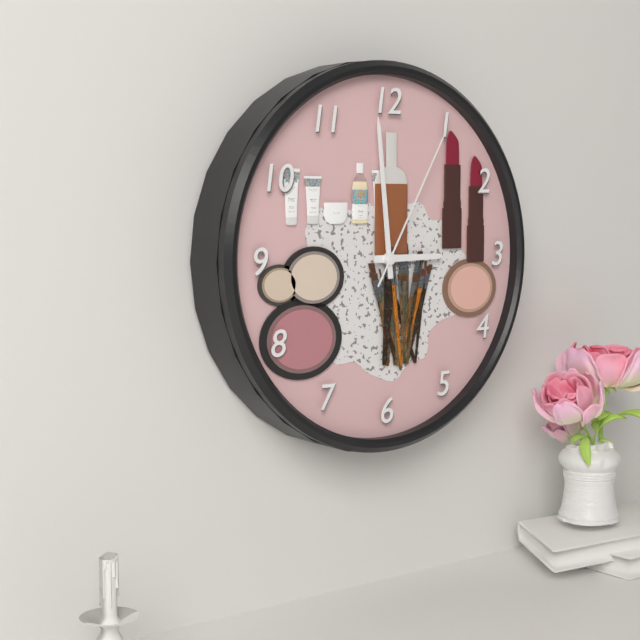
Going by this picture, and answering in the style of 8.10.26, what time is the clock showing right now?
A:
2.59.05
